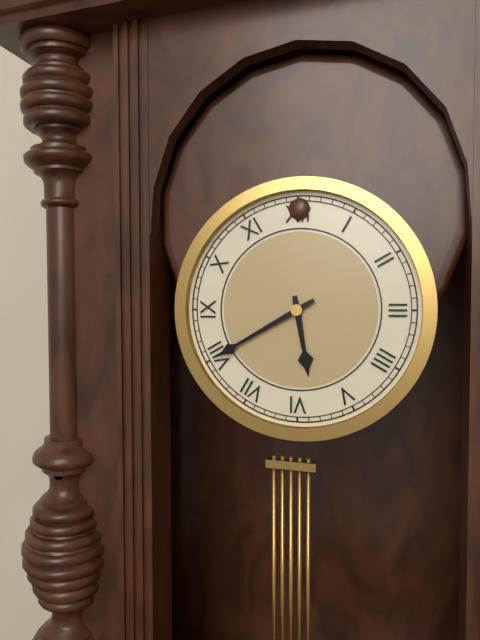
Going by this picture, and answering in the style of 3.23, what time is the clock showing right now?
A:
5.40
